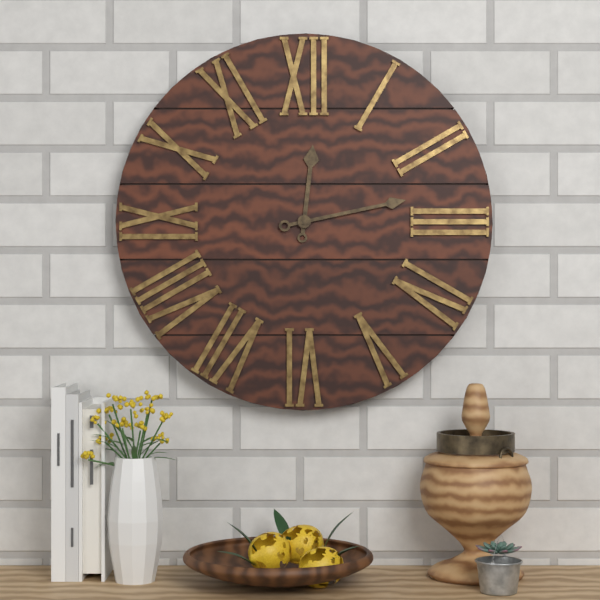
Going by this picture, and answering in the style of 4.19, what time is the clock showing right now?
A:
12.13
